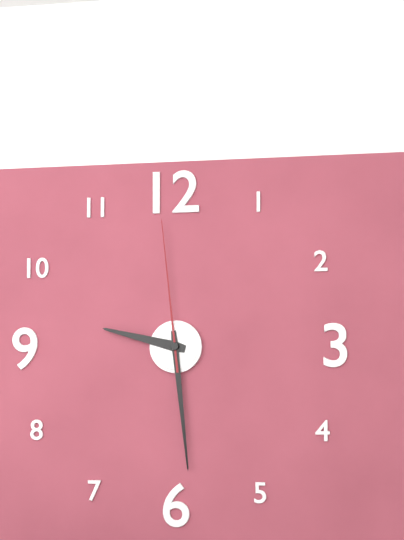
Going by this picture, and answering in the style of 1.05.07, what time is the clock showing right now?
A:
9.29.59
